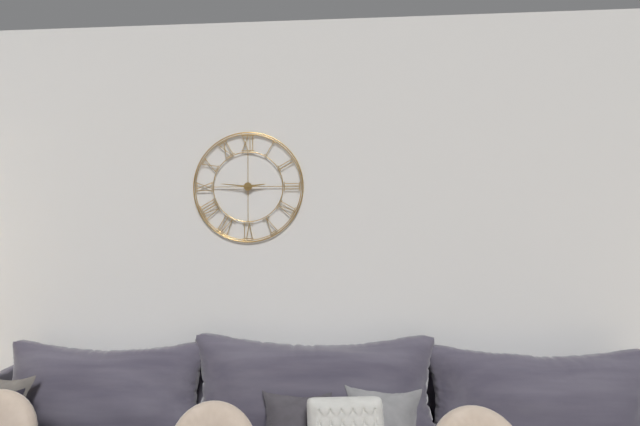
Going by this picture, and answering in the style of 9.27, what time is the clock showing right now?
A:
2.46
